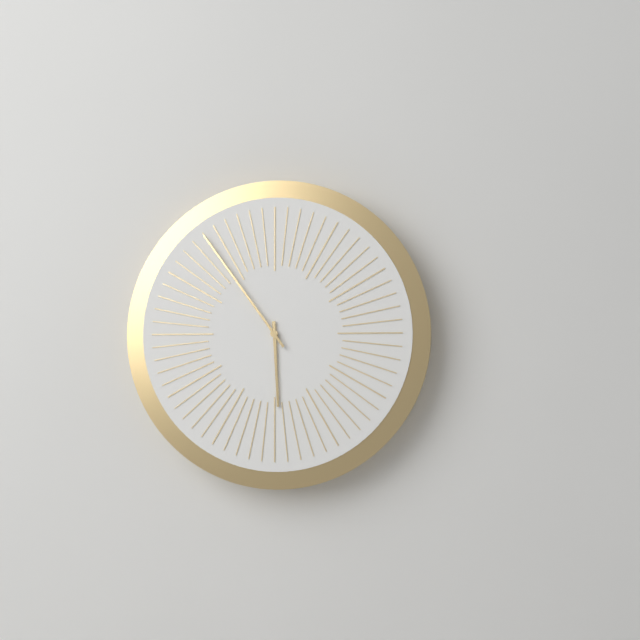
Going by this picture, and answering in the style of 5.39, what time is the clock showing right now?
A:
5.54
